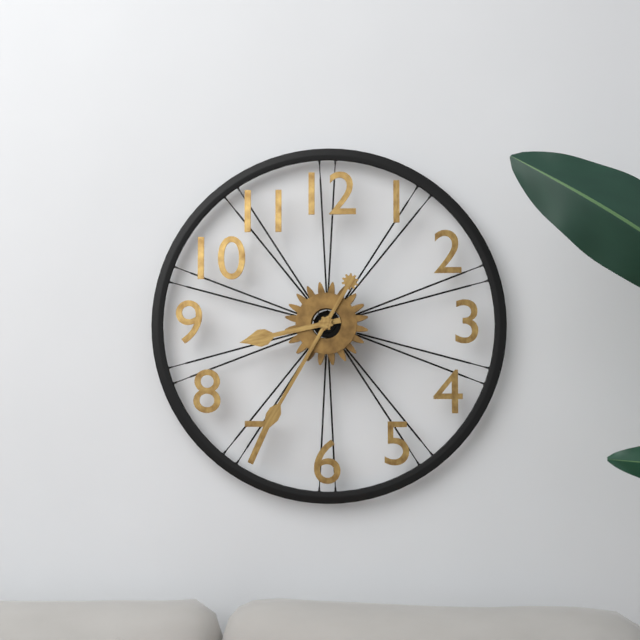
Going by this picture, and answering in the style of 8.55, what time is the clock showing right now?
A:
8.35
